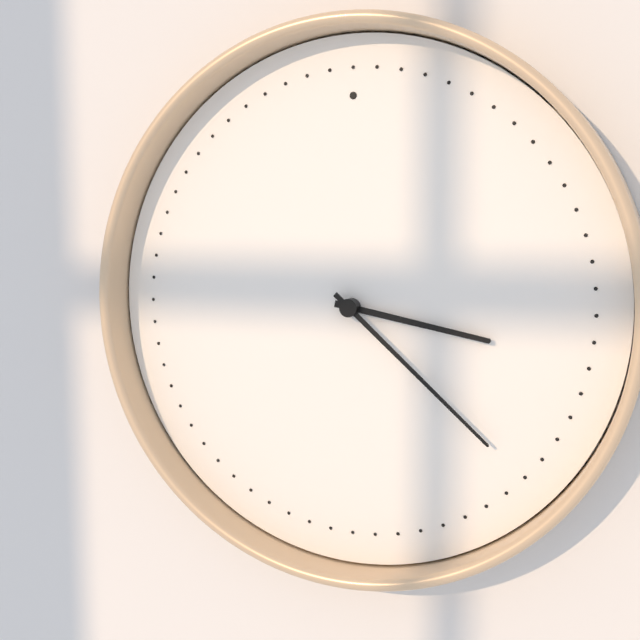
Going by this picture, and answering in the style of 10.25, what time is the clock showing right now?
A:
3.22
